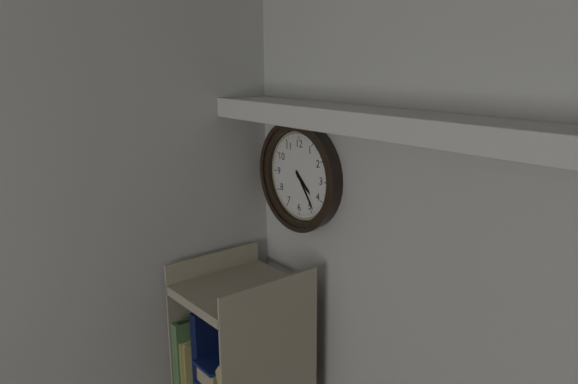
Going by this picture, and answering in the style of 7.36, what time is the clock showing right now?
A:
4.24
